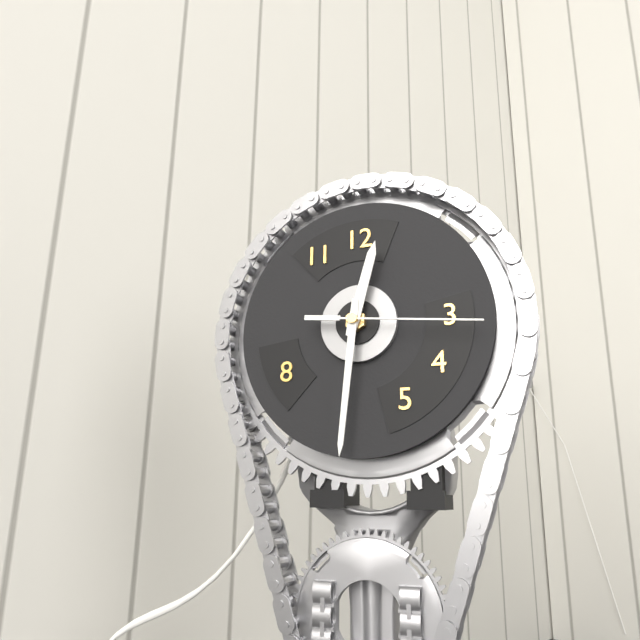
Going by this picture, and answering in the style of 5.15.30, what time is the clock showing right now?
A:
12.31.16
